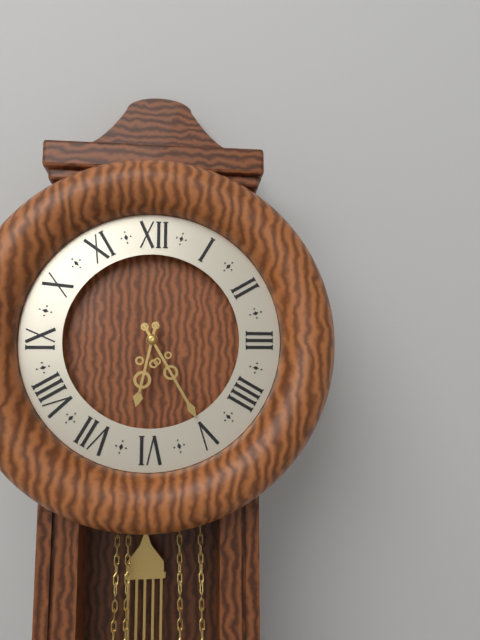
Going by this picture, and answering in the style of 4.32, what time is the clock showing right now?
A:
6.25
